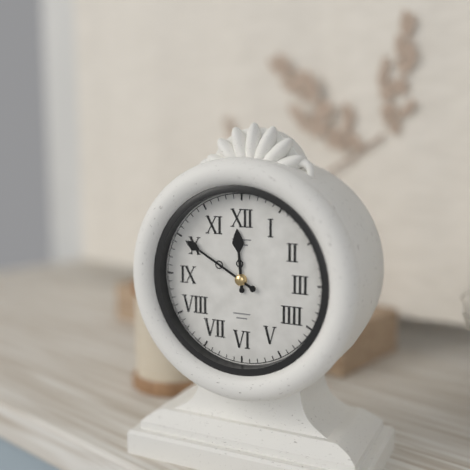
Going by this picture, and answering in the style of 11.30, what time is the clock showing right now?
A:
11.50
